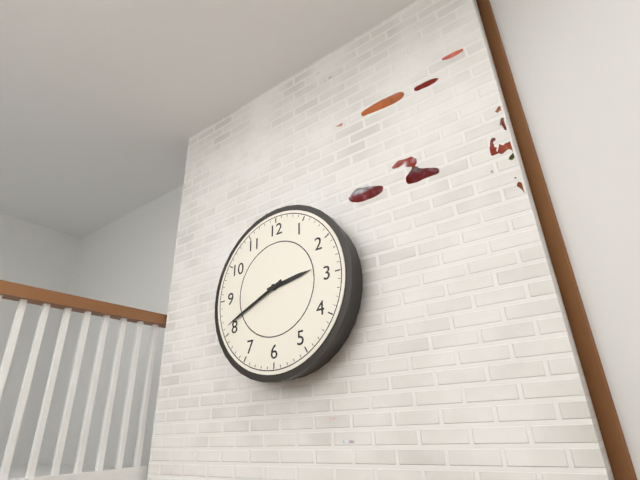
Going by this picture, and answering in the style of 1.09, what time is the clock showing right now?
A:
2.41
